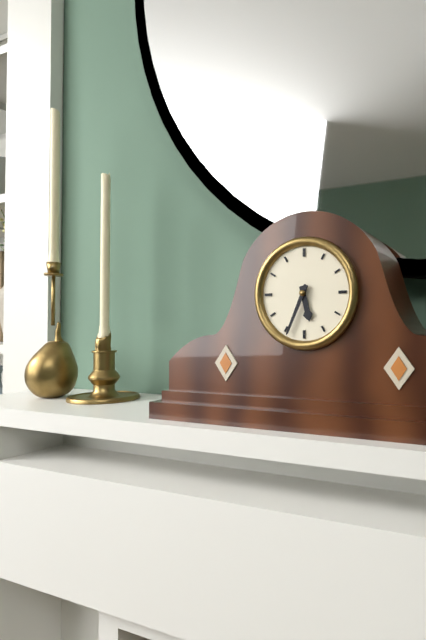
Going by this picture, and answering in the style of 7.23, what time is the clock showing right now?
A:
5.34
